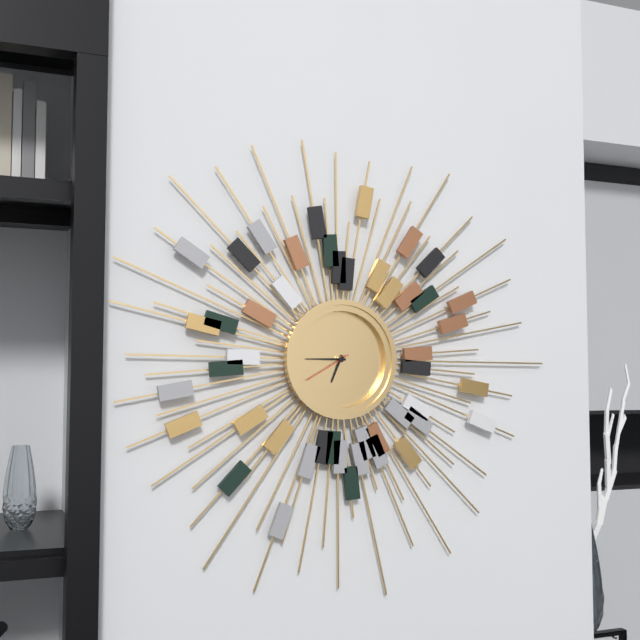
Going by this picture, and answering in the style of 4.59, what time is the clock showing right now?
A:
6.45
